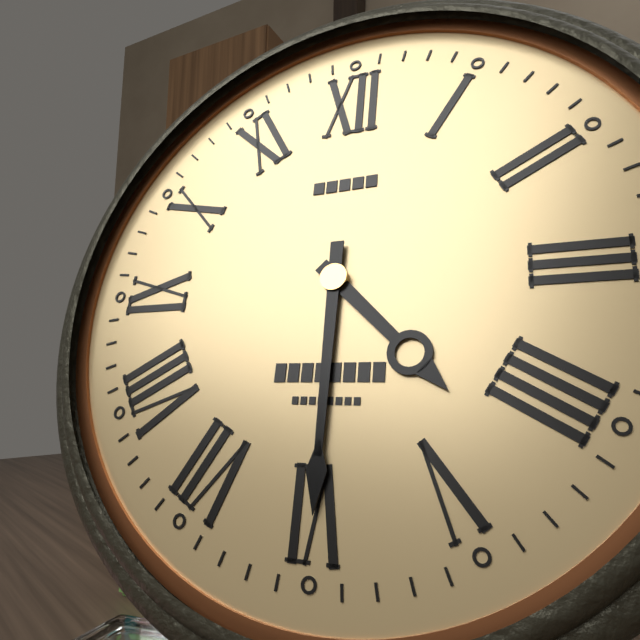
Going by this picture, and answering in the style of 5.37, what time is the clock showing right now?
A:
4.30
